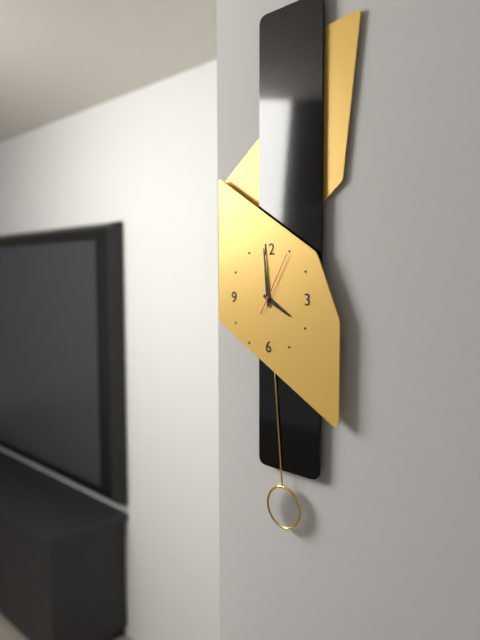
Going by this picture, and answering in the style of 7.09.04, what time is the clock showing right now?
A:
3.59.05
